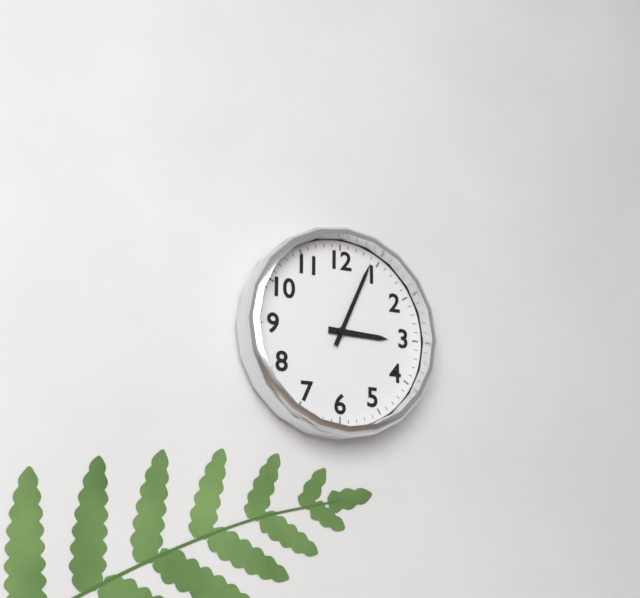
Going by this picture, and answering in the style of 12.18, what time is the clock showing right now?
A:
3.04
